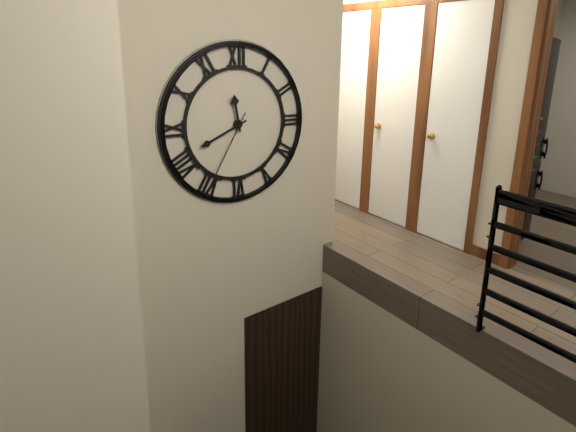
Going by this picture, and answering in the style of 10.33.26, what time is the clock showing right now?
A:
11.41.35
